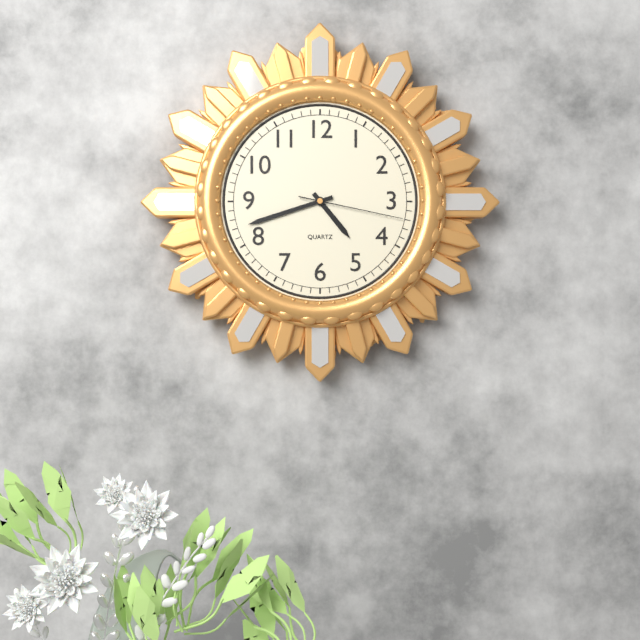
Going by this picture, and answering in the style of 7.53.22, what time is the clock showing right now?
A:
4.42.17
